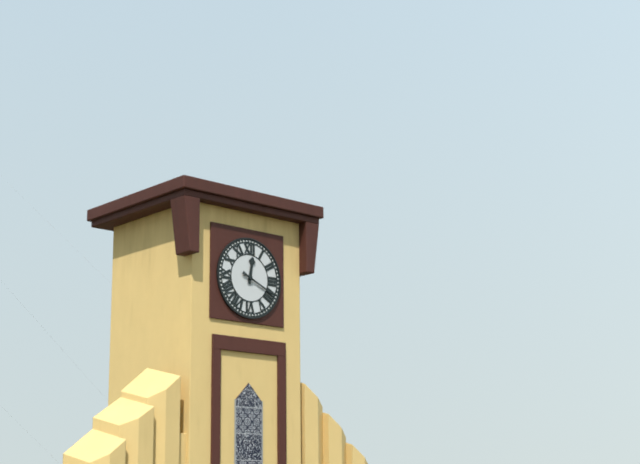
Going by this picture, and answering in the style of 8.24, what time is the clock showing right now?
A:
12.19
